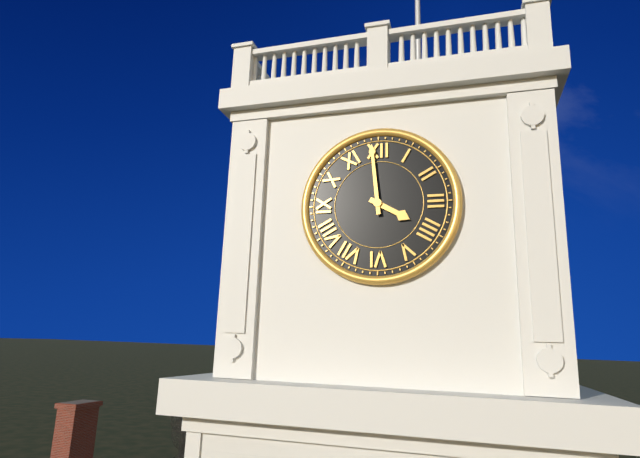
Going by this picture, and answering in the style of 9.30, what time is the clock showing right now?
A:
3.59
